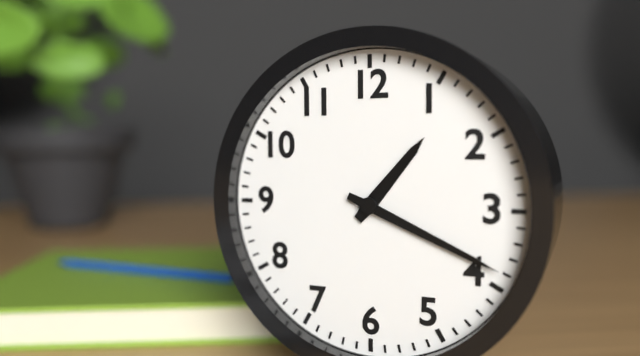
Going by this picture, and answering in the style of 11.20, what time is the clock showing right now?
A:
1.19
